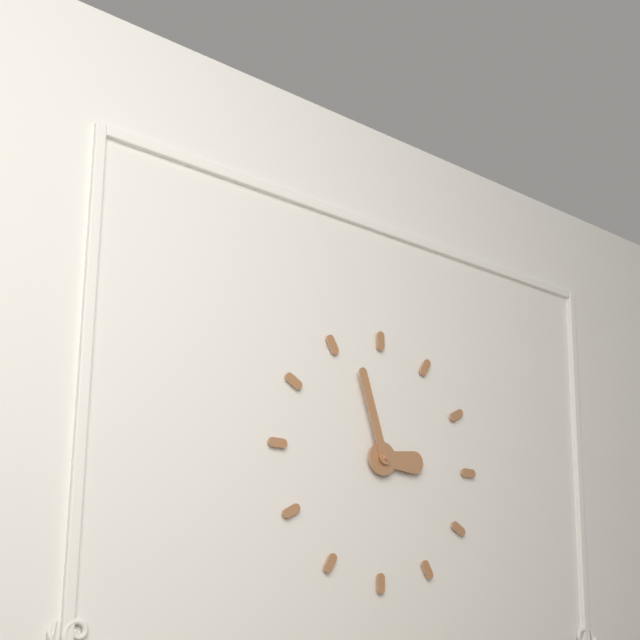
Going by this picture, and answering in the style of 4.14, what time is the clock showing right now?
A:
2.57
